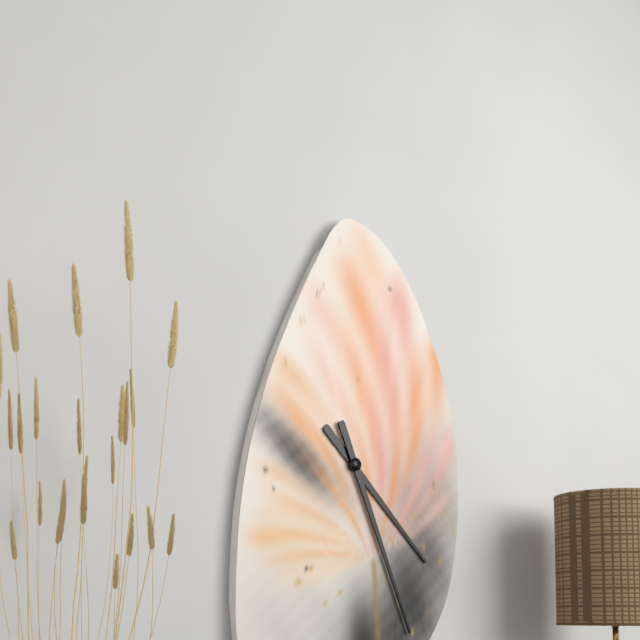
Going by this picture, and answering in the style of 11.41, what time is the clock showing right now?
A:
4.26
